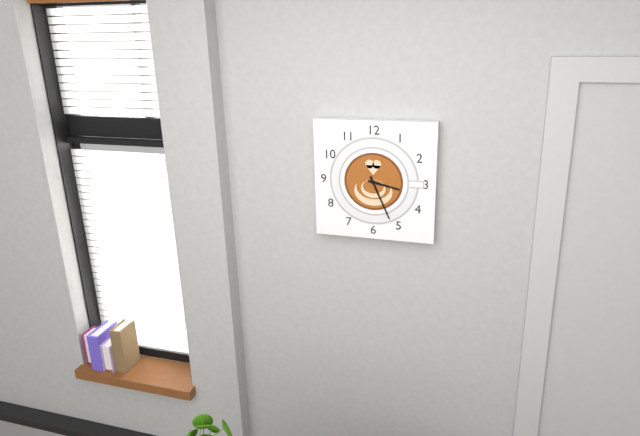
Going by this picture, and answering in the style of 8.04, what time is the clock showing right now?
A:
3.26
